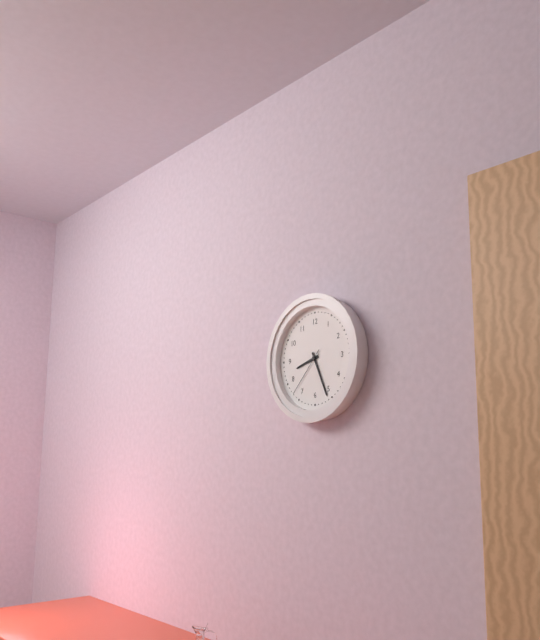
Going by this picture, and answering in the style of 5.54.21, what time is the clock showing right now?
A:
8.26.37
